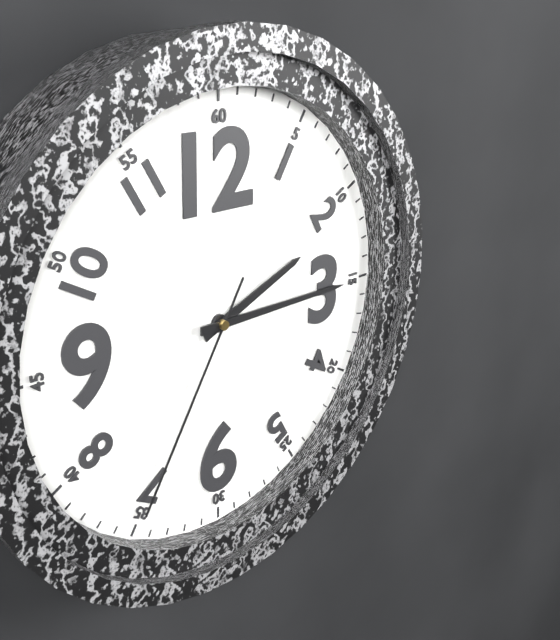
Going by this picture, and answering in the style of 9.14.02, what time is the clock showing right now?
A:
2.15.35
